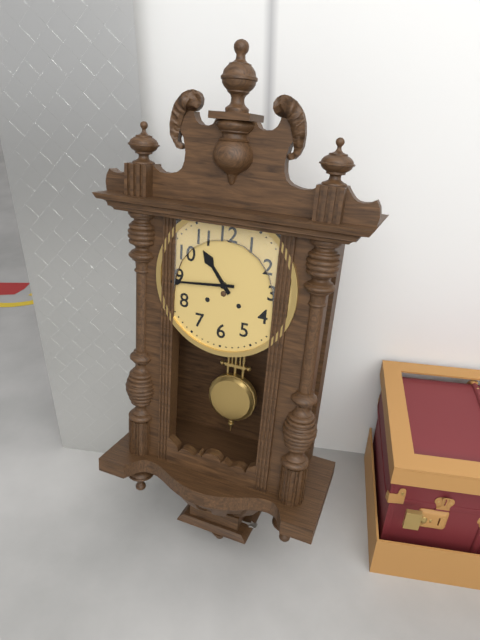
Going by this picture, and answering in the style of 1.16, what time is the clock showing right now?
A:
10.44
